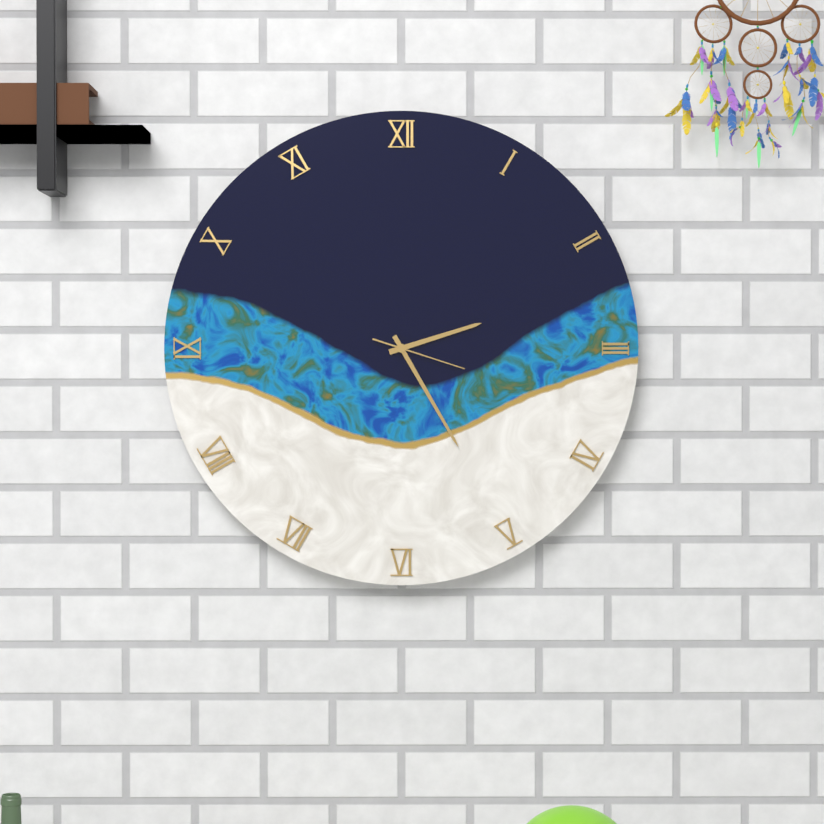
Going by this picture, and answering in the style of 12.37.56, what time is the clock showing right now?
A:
2.25.18
